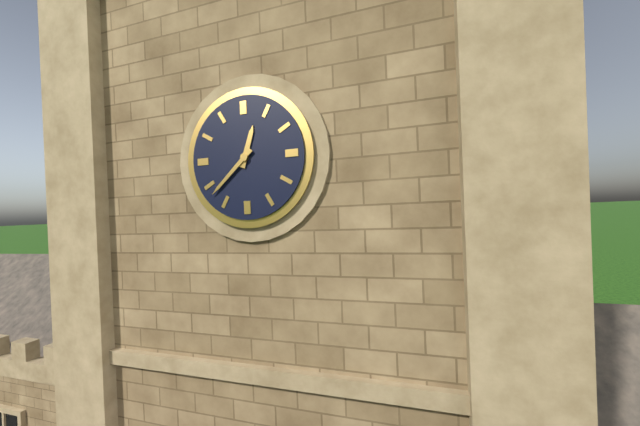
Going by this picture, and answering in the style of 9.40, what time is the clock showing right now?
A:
12.38
